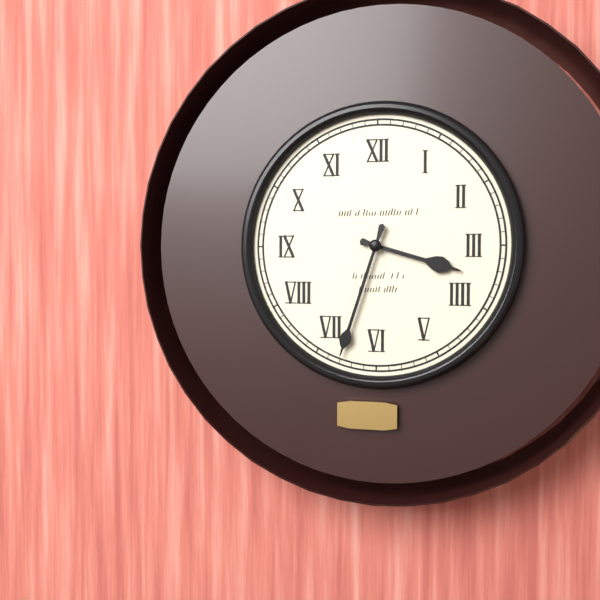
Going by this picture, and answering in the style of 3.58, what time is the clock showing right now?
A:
3.33
